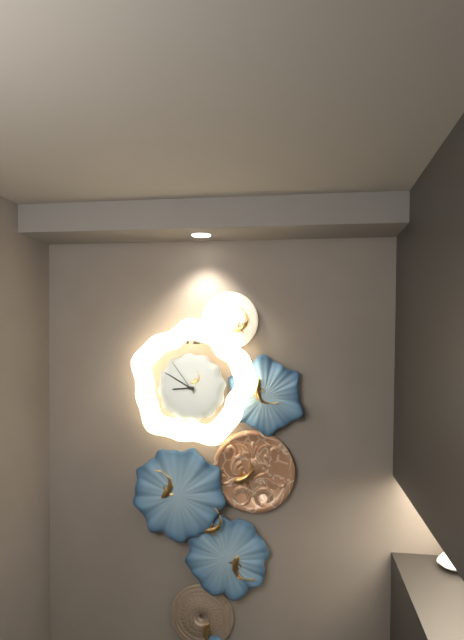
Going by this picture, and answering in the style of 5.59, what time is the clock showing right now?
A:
8.50
